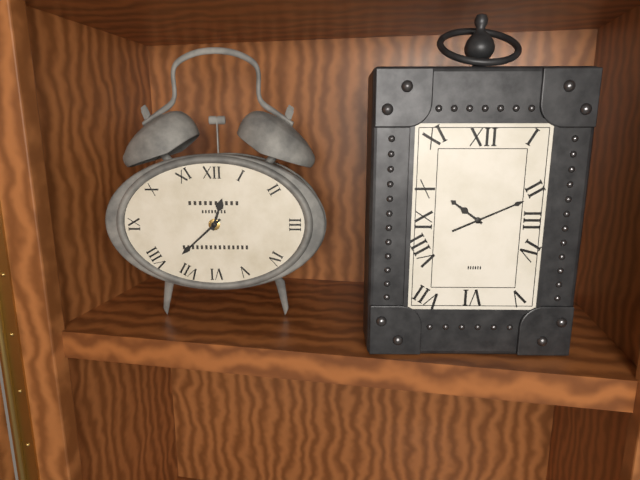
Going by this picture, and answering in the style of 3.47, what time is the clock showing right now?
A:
12.38
